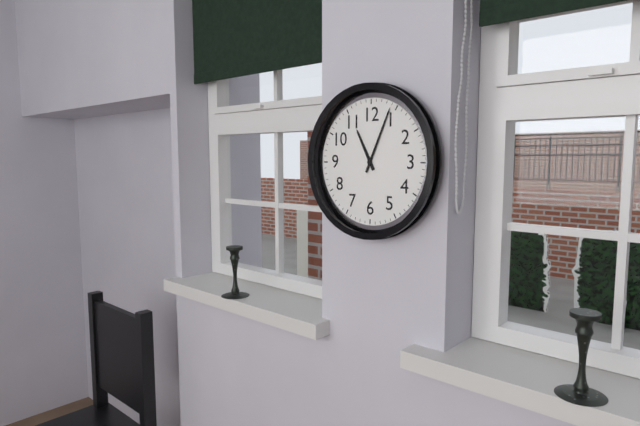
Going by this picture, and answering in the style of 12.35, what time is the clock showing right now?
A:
11.04
